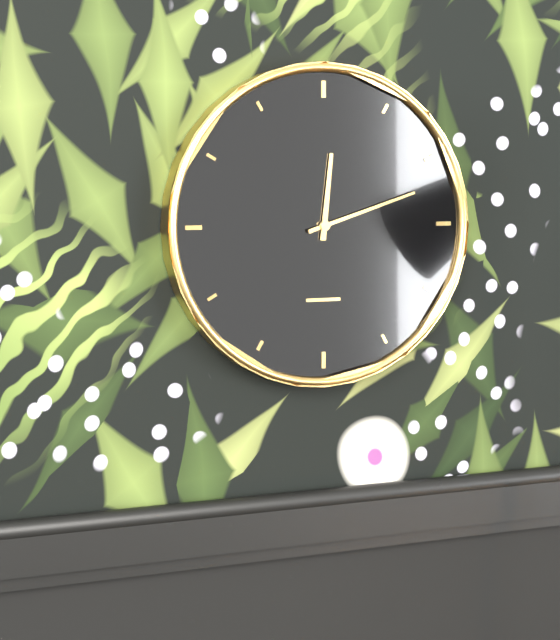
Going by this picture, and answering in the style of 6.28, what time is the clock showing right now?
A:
12.12
